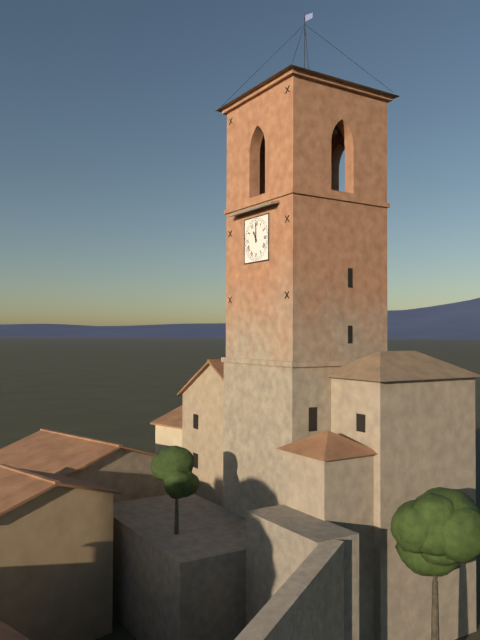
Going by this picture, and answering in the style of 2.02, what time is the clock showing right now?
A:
11.00
